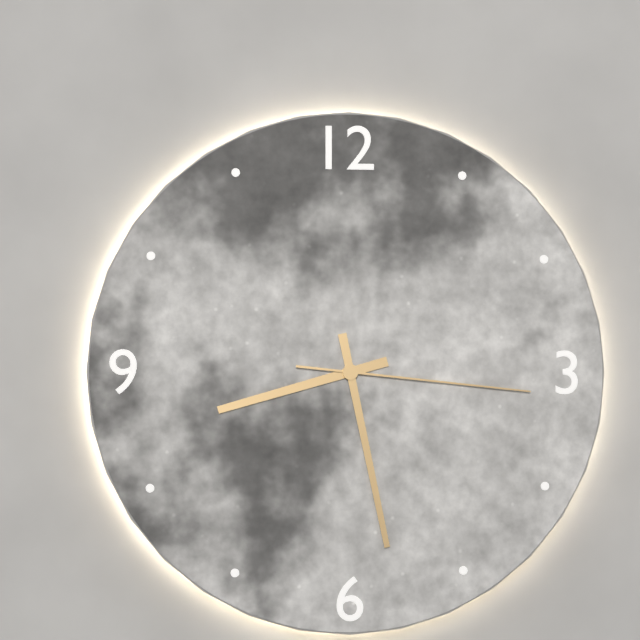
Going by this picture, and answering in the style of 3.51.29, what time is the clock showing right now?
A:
8.28.16
